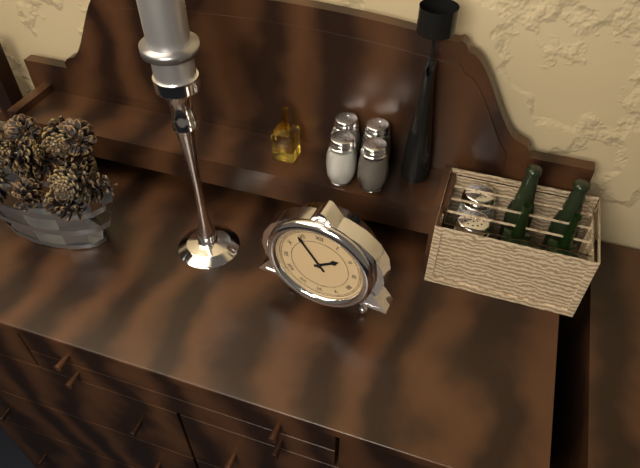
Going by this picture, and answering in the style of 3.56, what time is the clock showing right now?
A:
1.54
